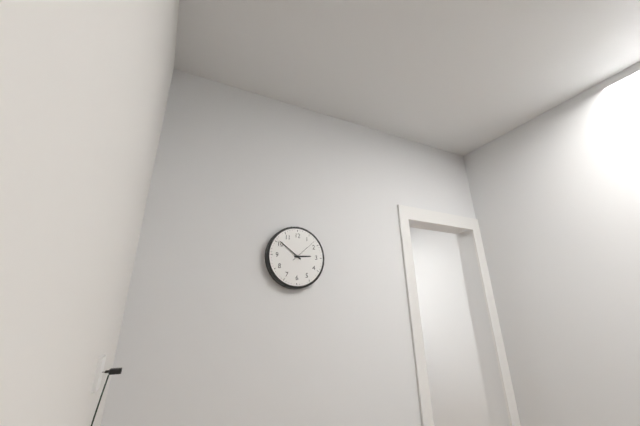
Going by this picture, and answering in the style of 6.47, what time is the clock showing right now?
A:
2.51
